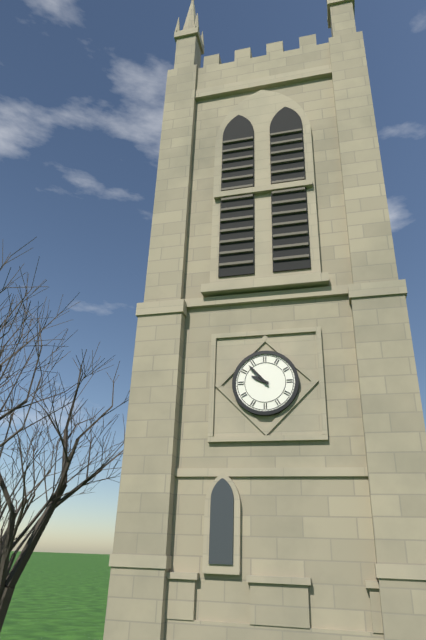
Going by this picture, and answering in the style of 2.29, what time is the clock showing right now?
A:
9.53
